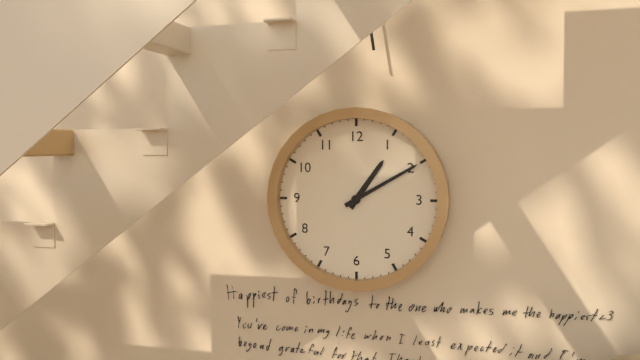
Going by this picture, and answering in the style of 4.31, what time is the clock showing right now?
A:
1.10
